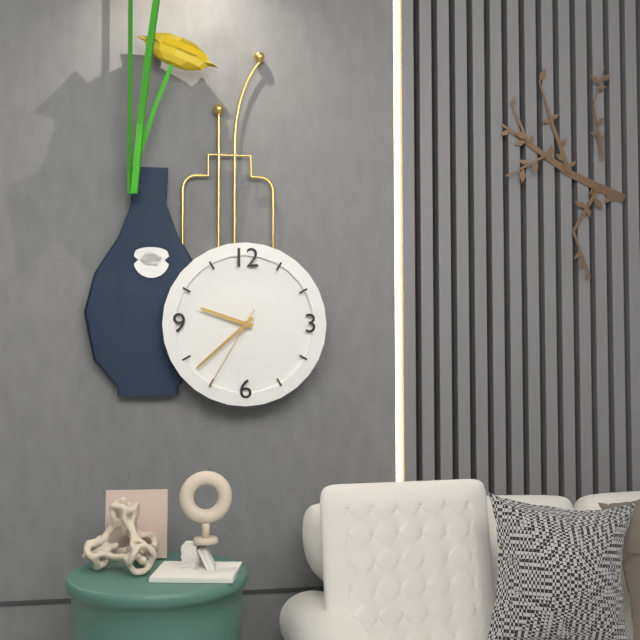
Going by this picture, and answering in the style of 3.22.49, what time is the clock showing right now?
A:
9.38.35
